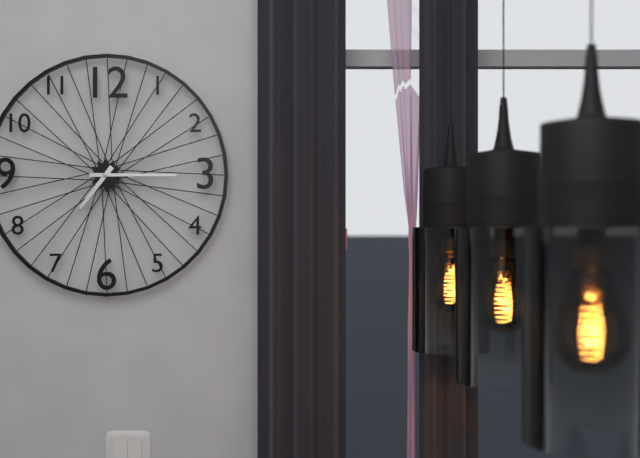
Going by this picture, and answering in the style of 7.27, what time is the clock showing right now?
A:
7.15
